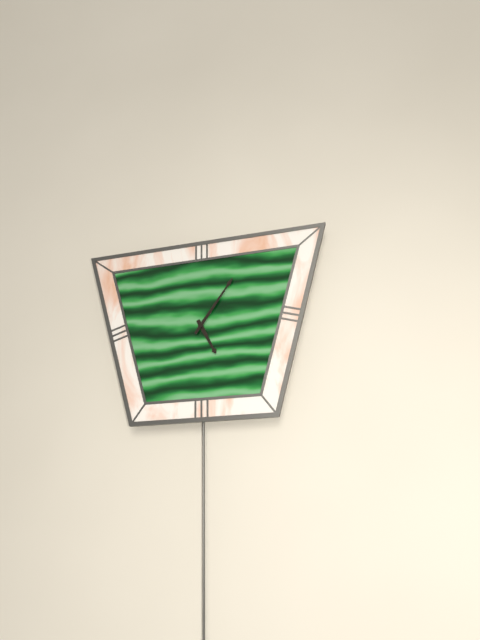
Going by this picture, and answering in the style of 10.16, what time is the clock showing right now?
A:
5.06
